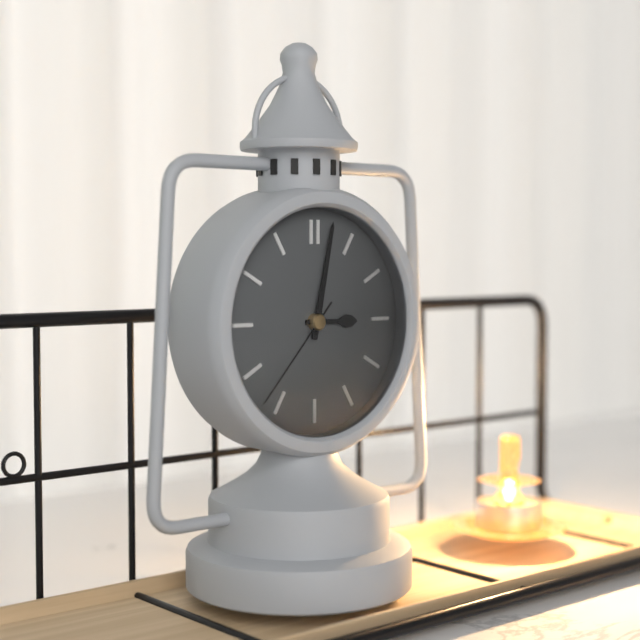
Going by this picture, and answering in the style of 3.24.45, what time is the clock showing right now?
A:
3.02.37
